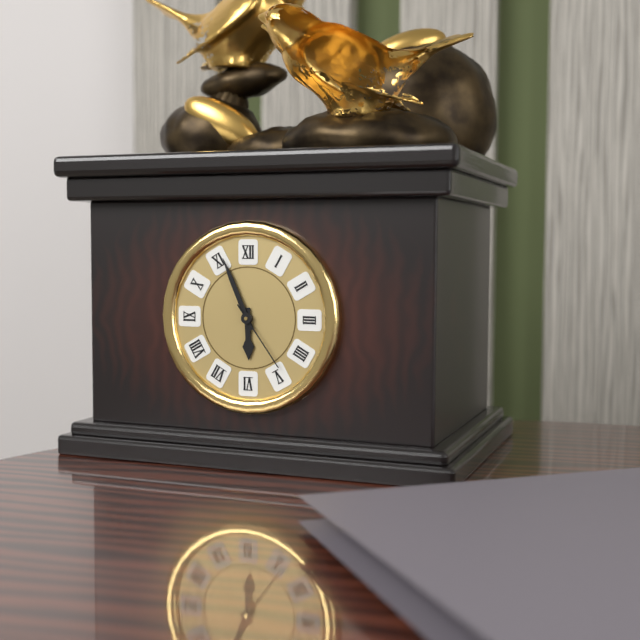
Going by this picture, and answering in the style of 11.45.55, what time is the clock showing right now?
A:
5.56.24
